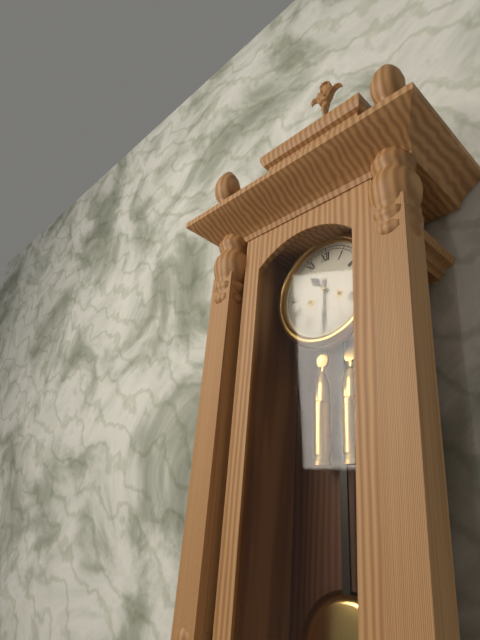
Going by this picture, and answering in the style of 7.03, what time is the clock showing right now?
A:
10.30
